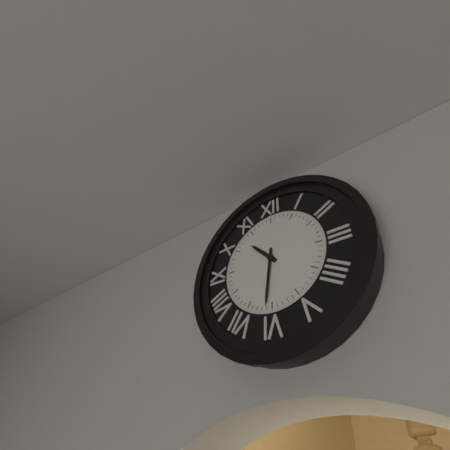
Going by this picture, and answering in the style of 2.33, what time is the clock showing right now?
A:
10.31
